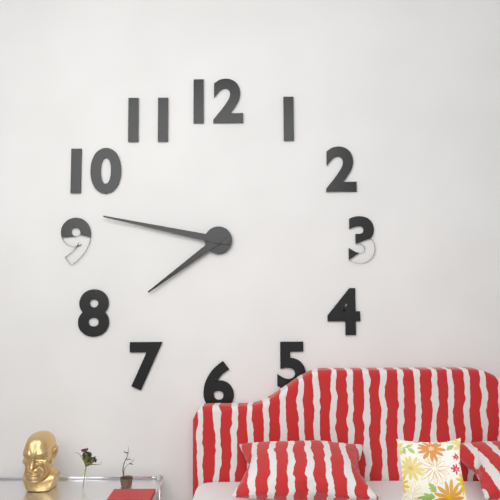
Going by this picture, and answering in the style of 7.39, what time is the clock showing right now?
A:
7.47
